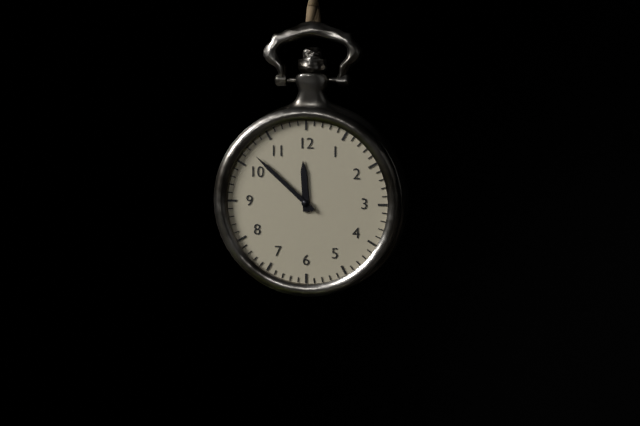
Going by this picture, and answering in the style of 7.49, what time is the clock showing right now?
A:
11.52
